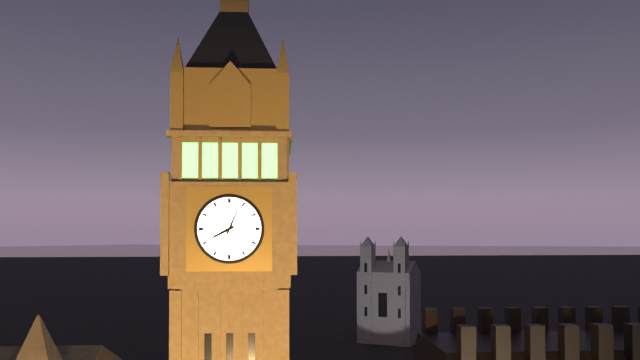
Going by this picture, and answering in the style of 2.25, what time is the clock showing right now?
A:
8.04
